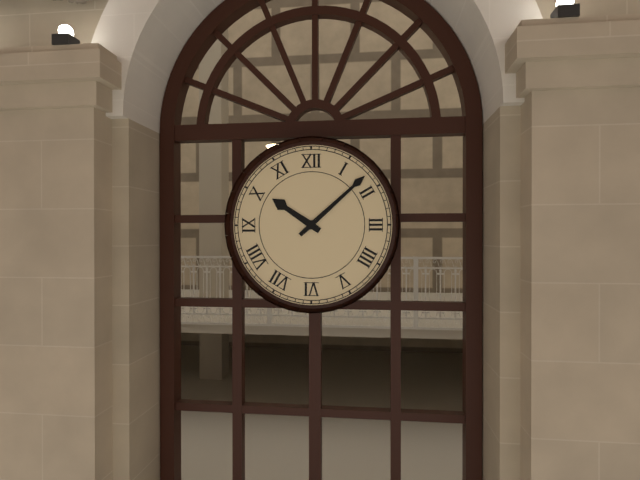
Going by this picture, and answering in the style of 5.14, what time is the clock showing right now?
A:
10.08
